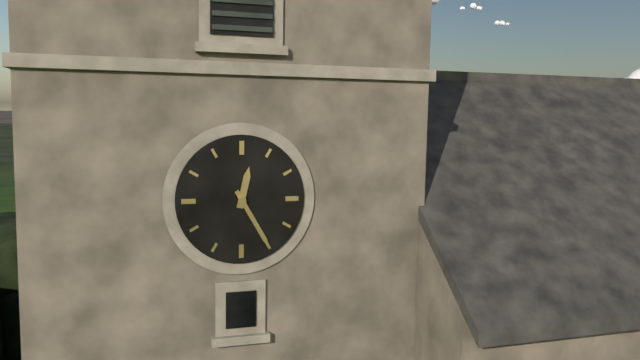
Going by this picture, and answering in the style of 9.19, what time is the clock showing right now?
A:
12.25
